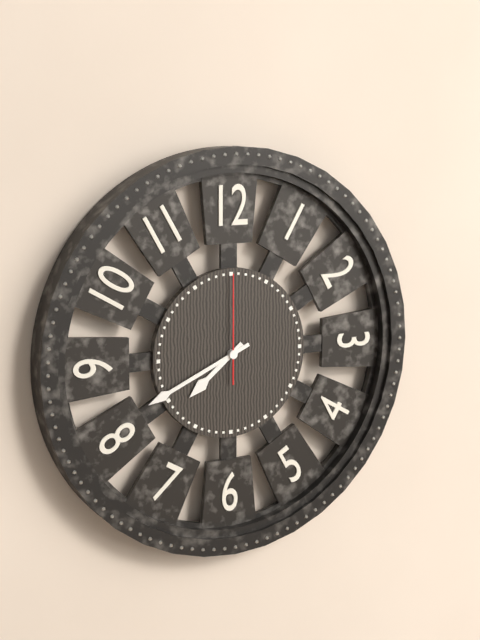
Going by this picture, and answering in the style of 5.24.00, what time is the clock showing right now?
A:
7.41.00
